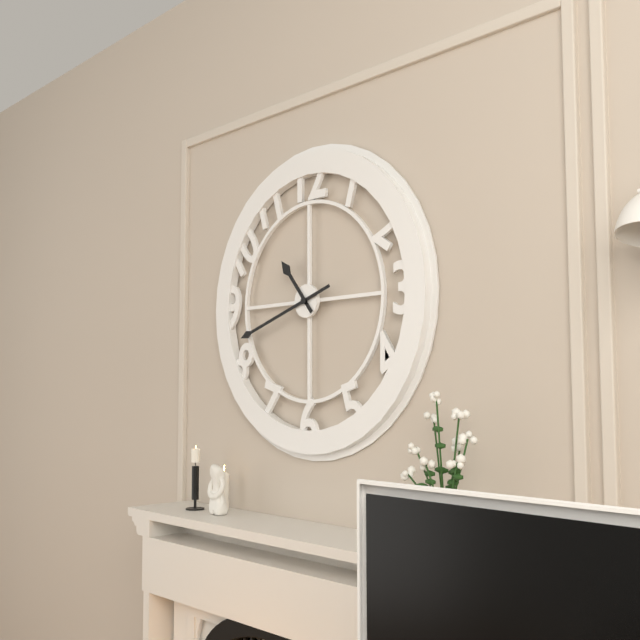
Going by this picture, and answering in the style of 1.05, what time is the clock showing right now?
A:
10.42
